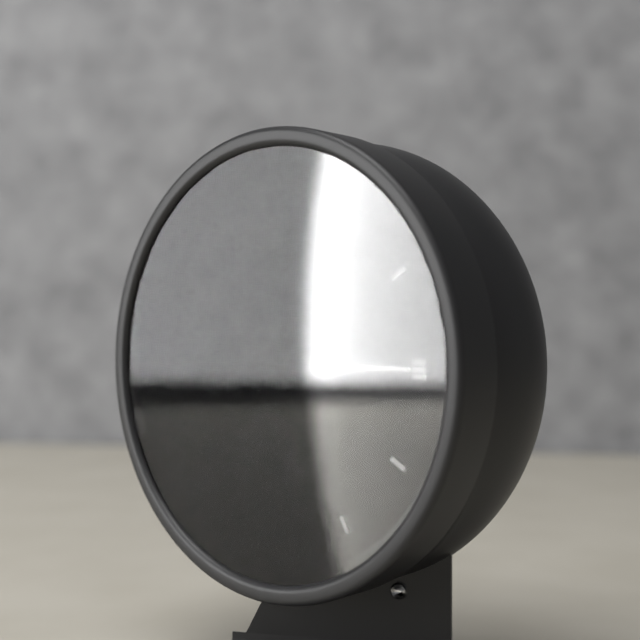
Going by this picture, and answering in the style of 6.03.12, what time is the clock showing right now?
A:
9.15.35
